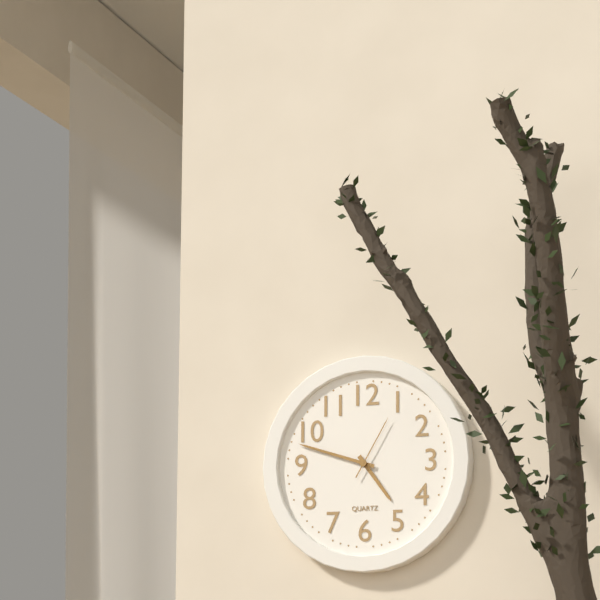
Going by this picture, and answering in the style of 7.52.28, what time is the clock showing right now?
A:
4.48.05
